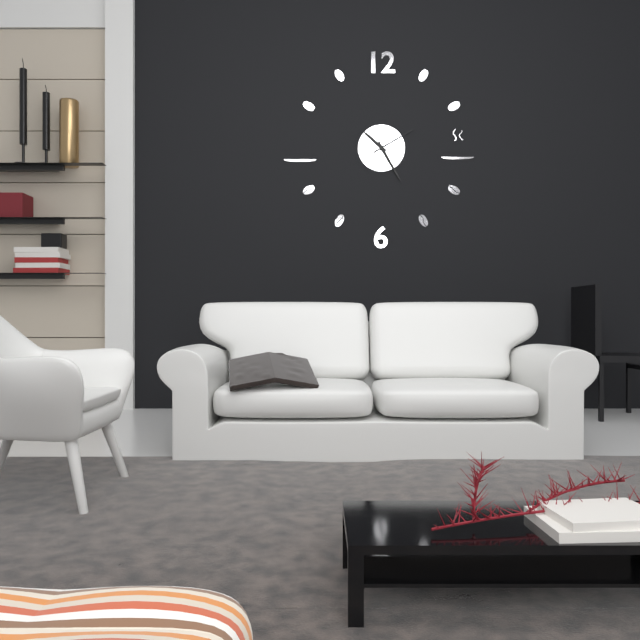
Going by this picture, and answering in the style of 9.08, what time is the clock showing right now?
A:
10.25
